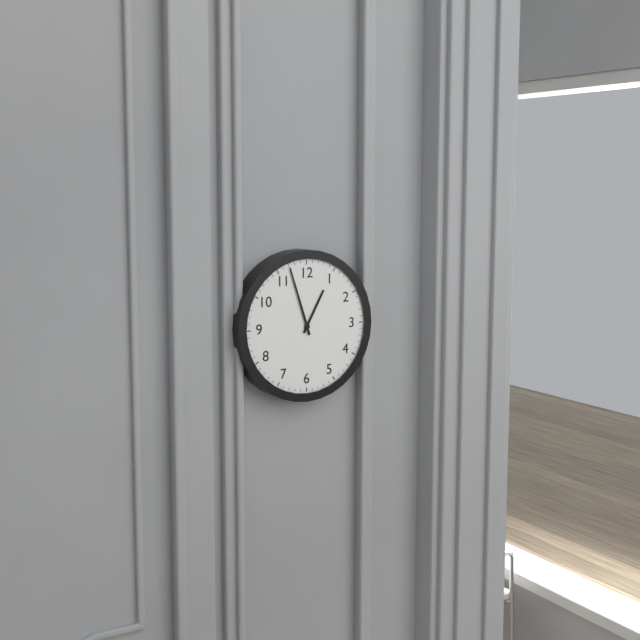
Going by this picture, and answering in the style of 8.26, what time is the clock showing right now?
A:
12.57
